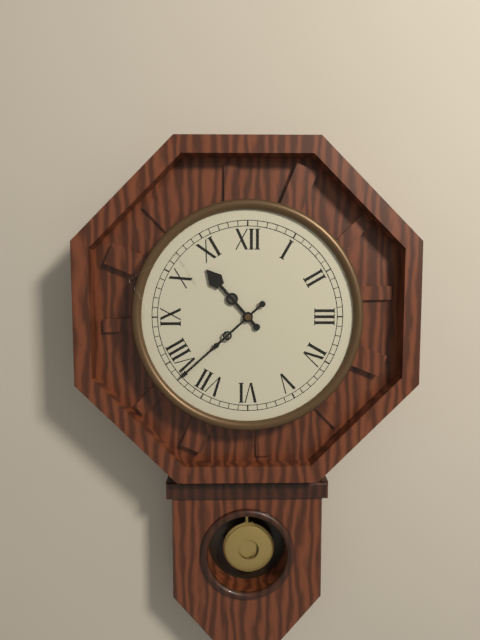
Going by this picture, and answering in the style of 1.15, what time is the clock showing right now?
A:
10.38
